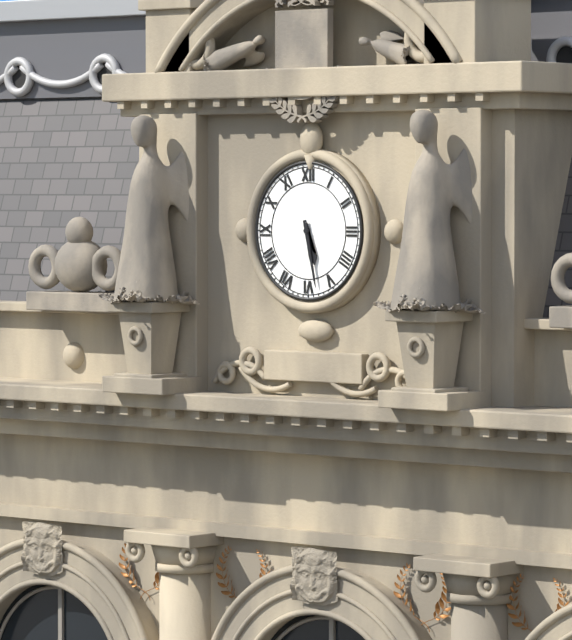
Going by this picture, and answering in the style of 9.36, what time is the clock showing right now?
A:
5.28
